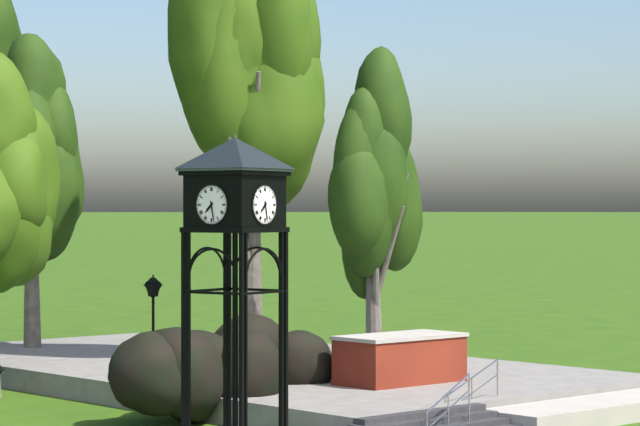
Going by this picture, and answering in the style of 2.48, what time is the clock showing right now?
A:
7.28
